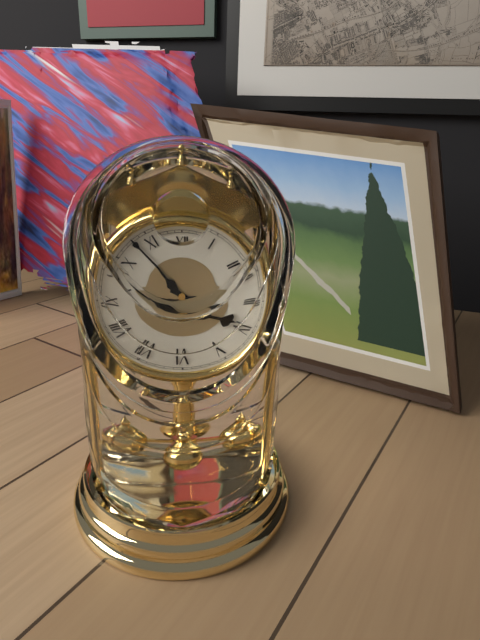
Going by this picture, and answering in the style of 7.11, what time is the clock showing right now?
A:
3.53
